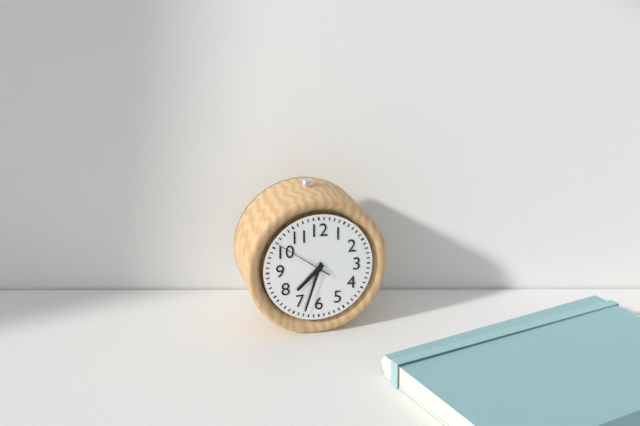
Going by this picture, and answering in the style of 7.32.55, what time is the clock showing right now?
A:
7.33.51
